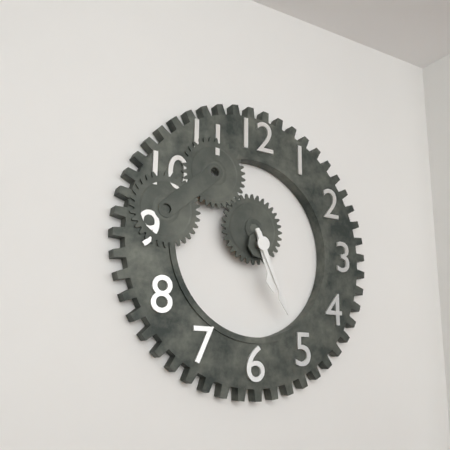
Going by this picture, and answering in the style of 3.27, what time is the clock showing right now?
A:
5.26
